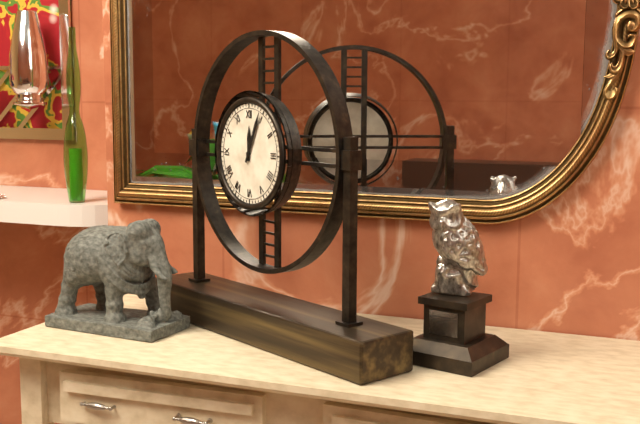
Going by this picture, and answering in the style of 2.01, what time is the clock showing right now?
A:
12.04
